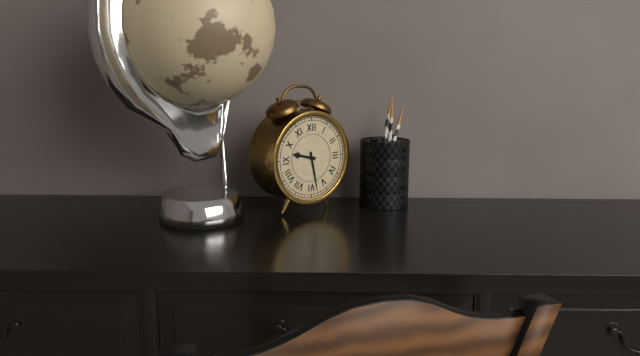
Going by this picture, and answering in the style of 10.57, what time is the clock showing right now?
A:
9.28
